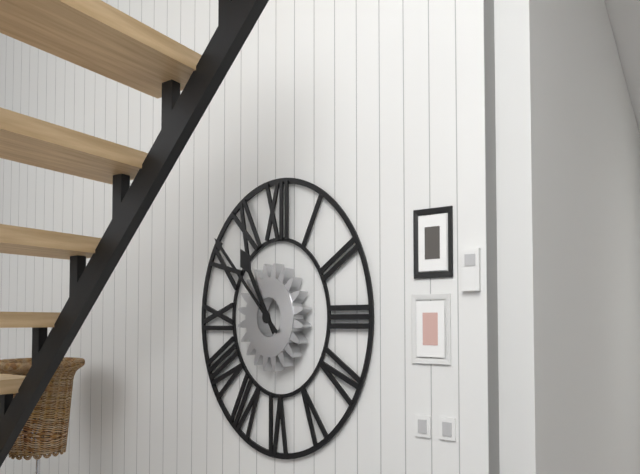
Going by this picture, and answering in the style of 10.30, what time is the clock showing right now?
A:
10.52
